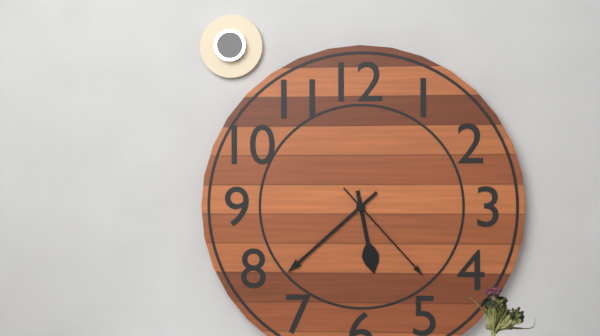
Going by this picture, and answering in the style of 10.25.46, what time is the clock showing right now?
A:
5.38.23
